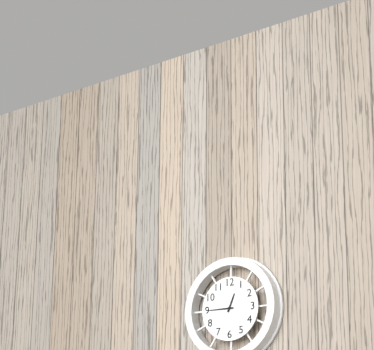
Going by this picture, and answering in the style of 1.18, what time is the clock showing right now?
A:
12.45
